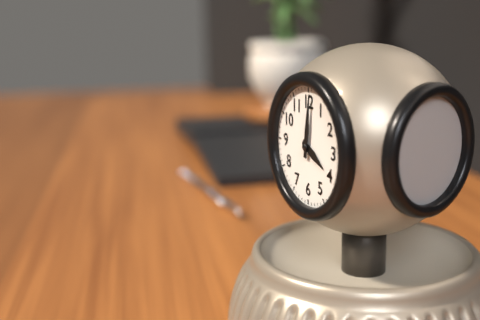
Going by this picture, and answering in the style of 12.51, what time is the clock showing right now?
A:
4.01
